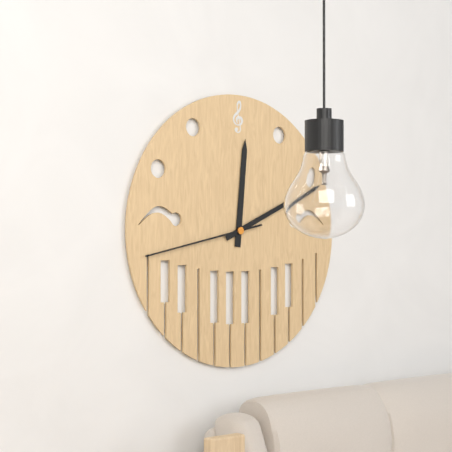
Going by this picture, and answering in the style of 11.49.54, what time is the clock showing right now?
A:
12.11.43
